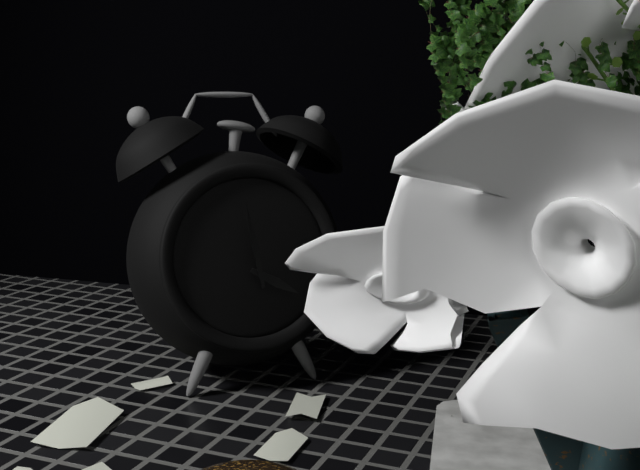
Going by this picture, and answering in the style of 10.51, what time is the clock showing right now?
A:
3.58
